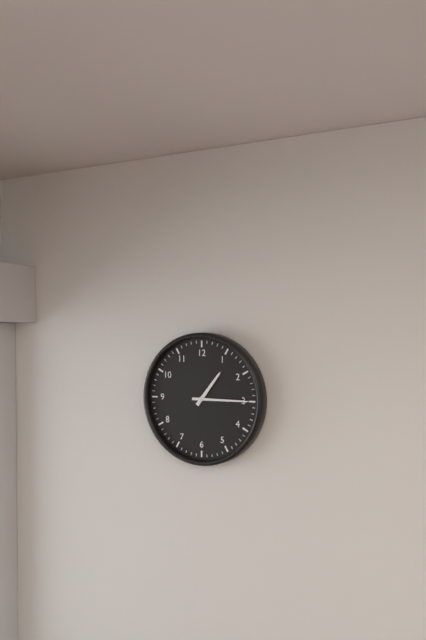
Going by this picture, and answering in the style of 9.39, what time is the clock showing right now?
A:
1.15
